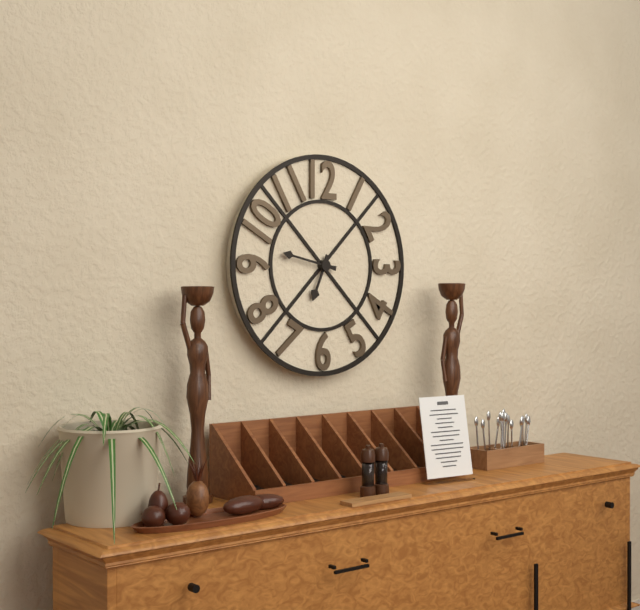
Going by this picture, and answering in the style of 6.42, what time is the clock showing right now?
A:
6.47
